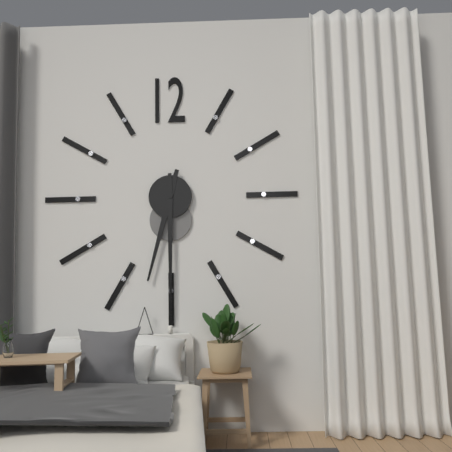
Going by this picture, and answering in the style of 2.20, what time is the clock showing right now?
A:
6.30
